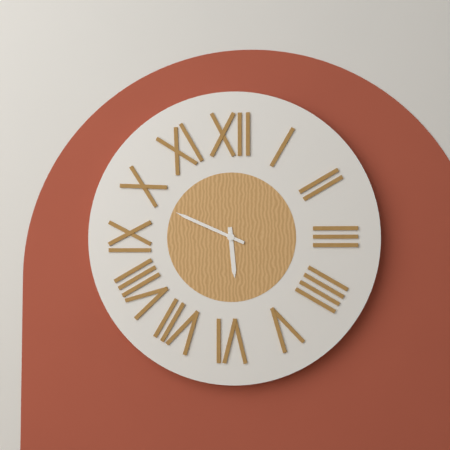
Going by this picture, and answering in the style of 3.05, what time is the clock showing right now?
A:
5.49
